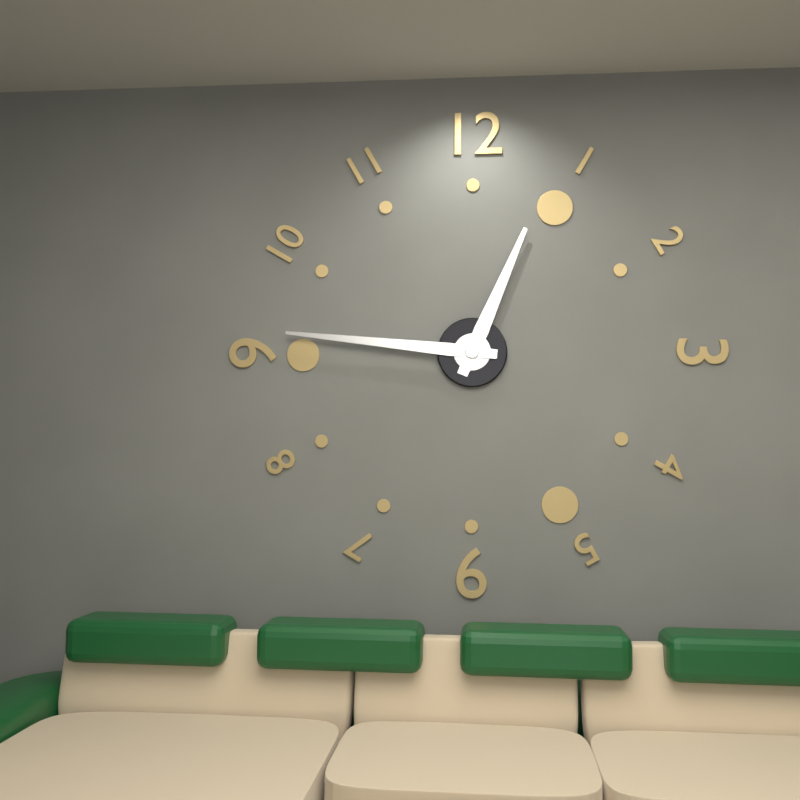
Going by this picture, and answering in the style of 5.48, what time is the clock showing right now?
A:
12.46
